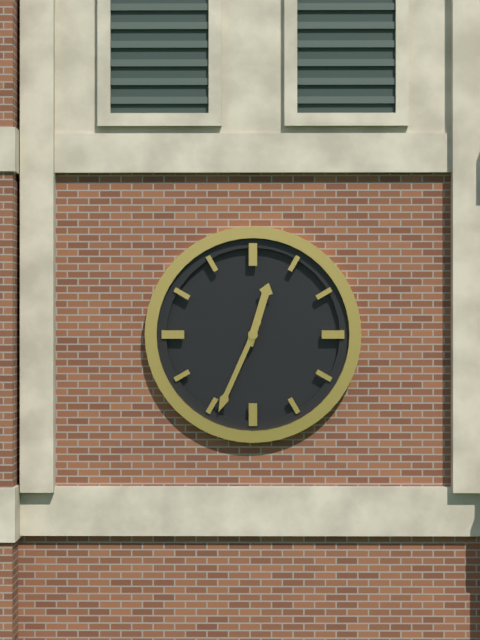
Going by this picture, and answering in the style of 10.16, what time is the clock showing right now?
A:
12.34
